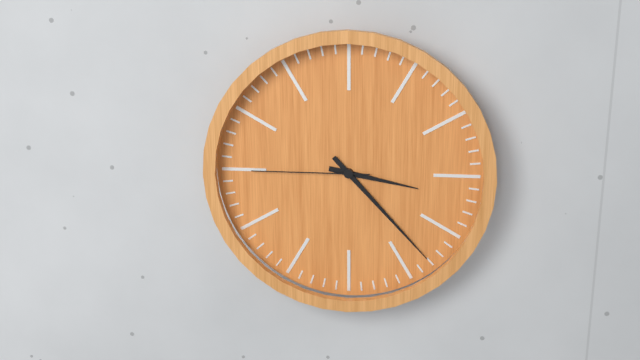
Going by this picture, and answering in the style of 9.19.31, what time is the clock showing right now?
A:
3.23.45
